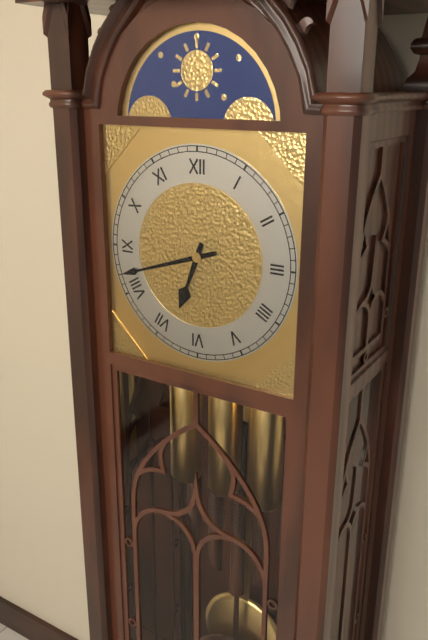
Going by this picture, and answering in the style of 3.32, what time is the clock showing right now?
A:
6.42
